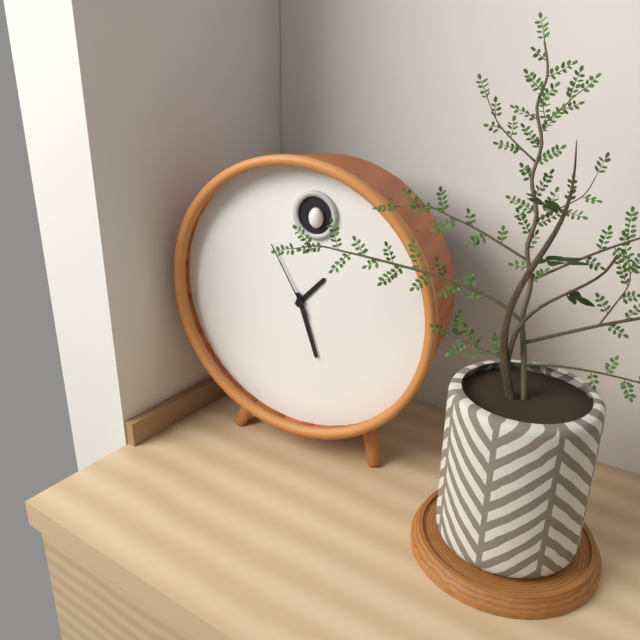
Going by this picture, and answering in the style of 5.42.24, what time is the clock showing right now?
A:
1.27.55
